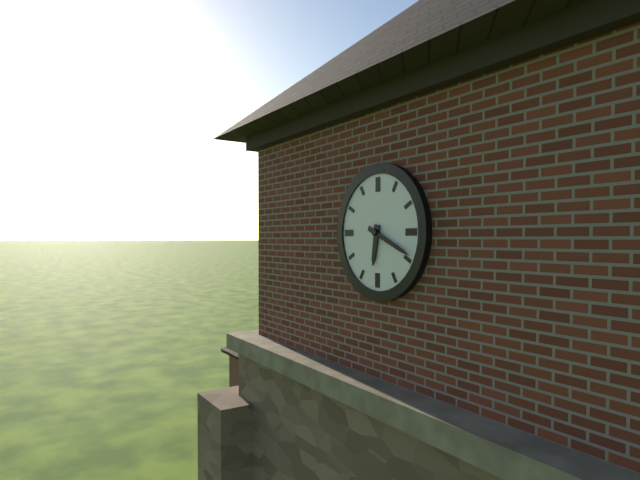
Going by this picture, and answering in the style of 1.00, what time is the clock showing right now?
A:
6.19
